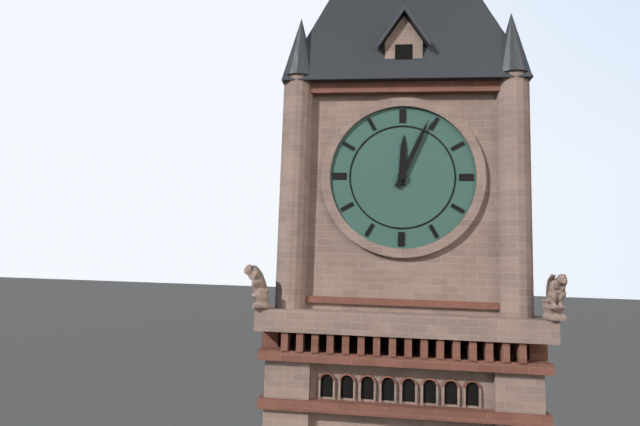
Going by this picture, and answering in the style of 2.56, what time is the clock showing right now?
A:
12.04
